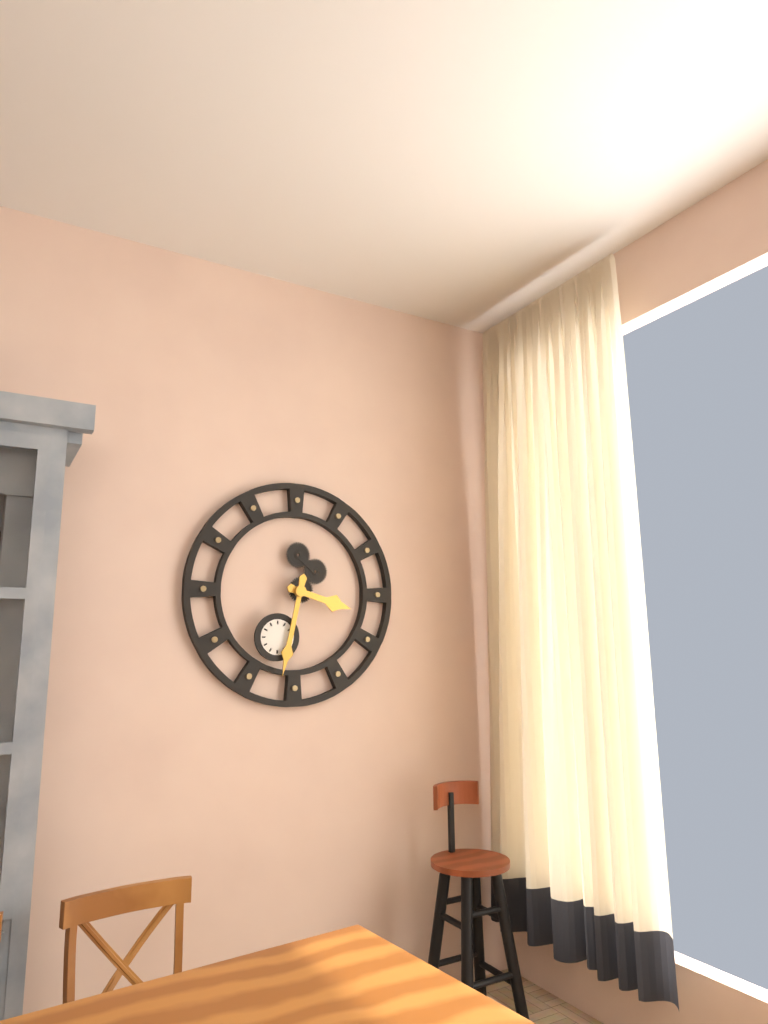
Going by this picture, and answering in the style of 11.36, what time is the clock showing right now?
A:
3.32
